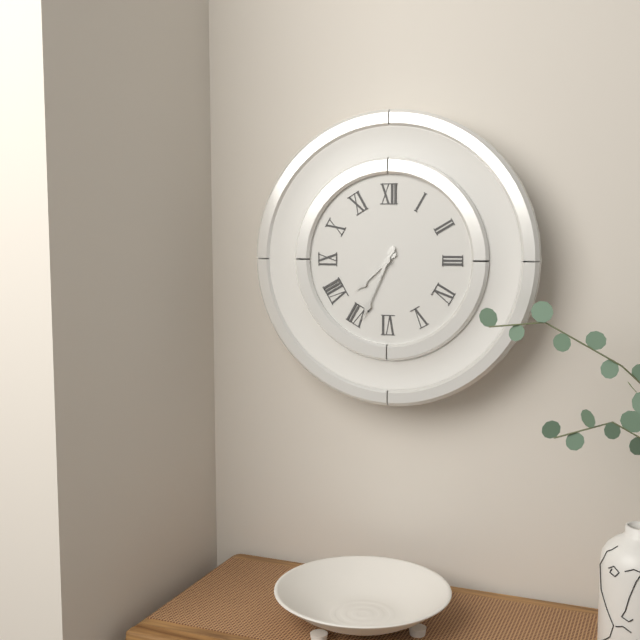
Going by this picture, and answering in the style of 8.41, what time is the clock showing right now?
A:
7.34
